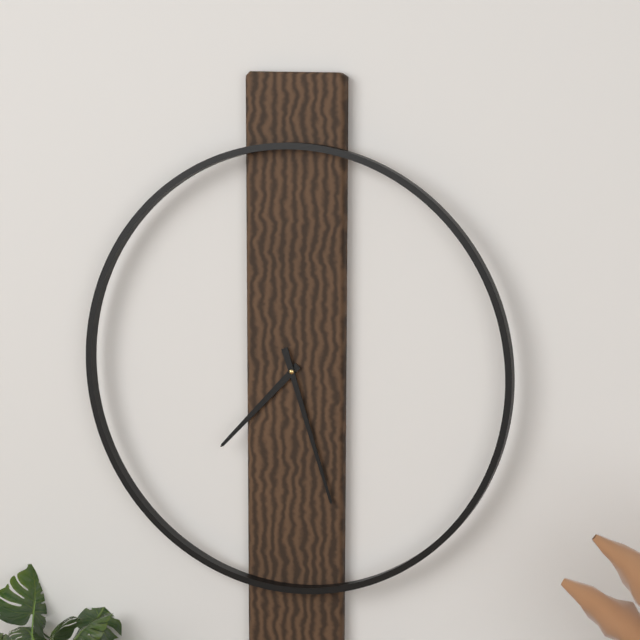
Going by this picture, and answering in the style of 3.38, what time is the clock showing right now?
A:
7.27
